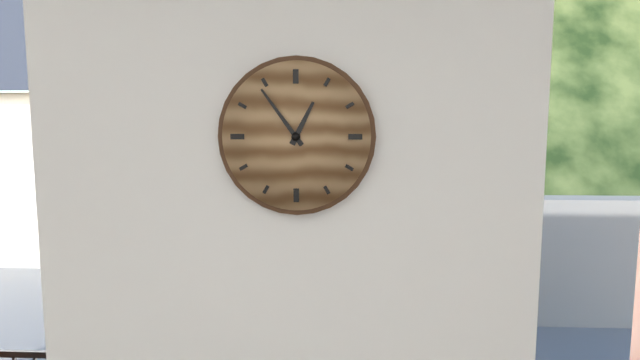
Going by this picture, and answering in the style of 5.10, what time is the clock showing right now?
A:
12.54
